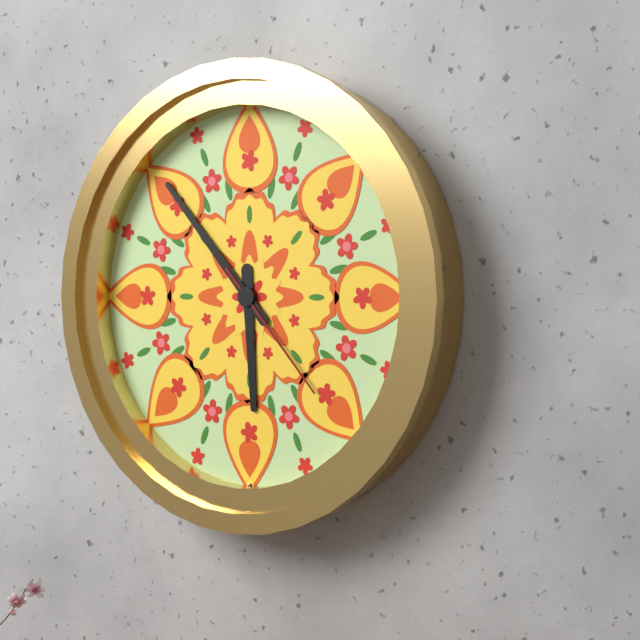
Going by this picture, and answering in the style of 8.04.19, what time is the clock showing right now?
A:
5.53.23
